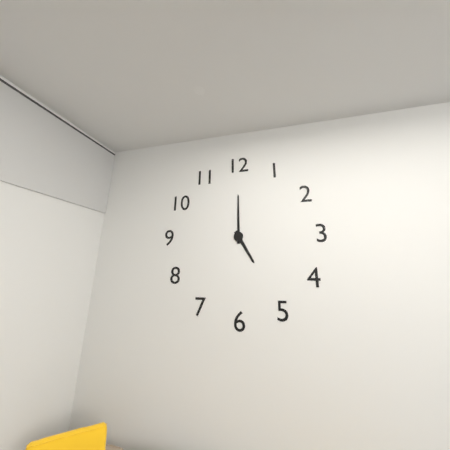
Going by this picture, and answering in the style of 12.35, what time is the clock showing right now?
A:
5.00
